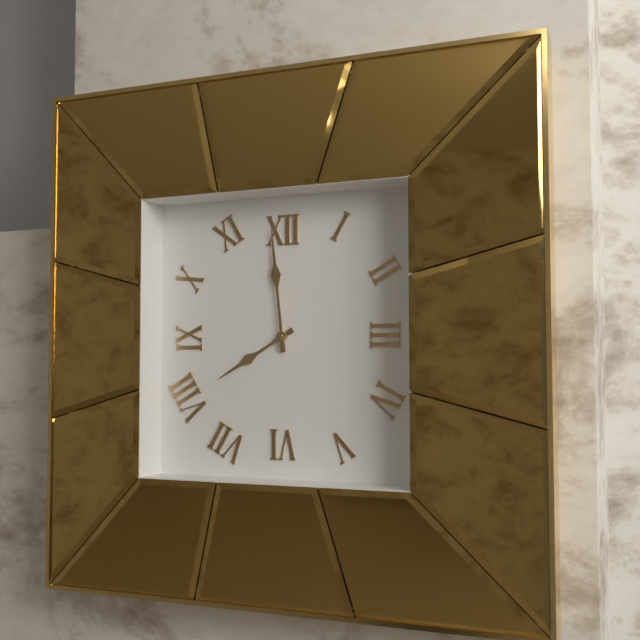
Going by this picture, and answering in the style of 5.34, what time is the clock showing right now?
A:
7.59
